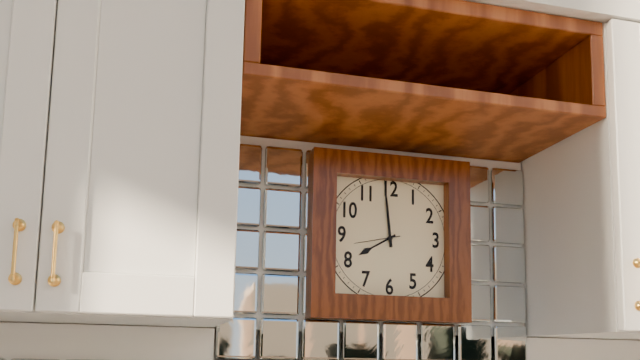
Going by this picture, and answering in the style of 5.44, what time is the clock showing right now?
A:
7.59
